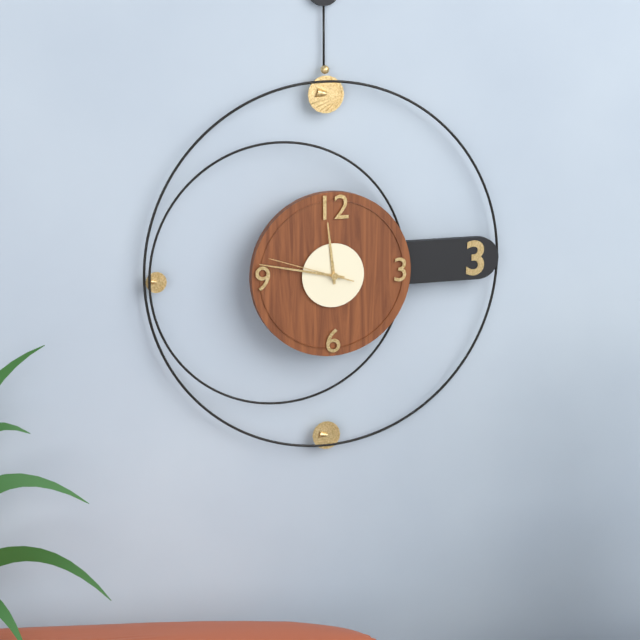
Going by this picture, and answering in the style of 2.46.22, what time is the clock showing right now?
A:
11.47.48
